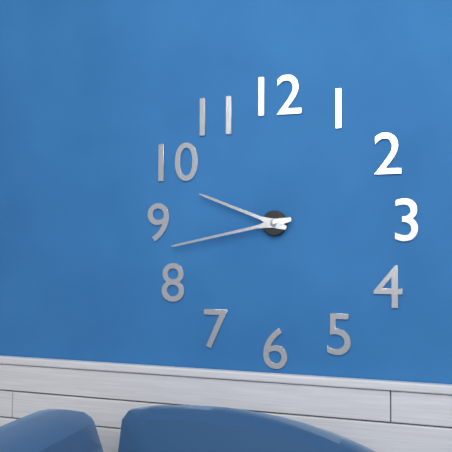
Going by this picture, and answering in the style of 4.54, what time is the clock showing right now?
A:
9.43
